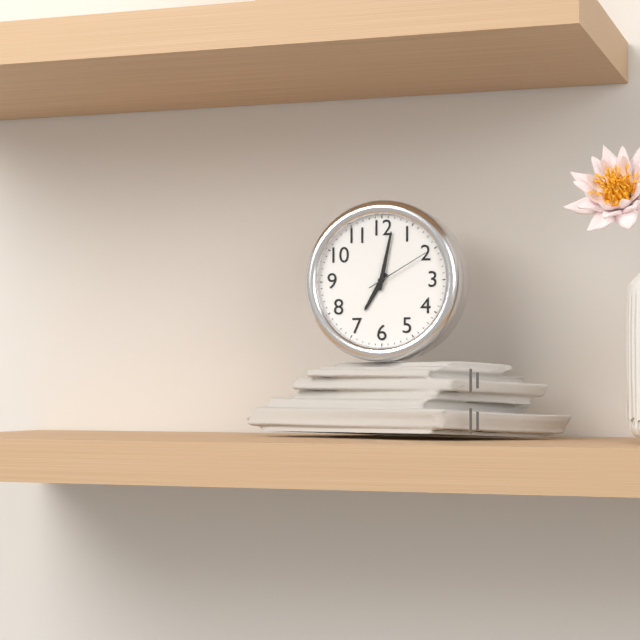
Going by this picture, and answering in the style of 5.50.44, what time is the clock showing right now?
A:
7.02.10
